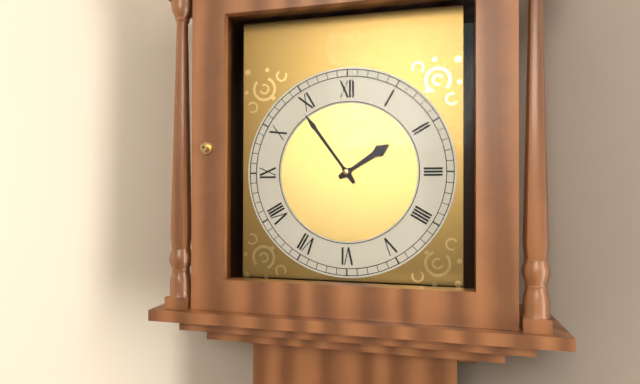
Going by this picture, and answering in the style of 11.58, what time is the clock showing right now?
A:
1.54
